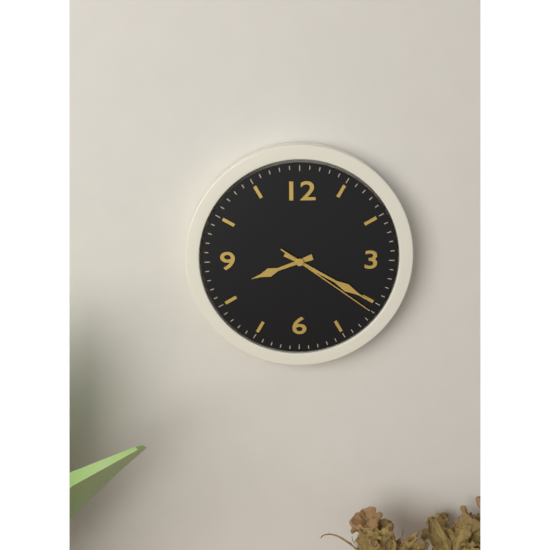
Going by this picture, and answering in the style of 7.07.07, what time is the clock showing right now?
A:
8.20.21
